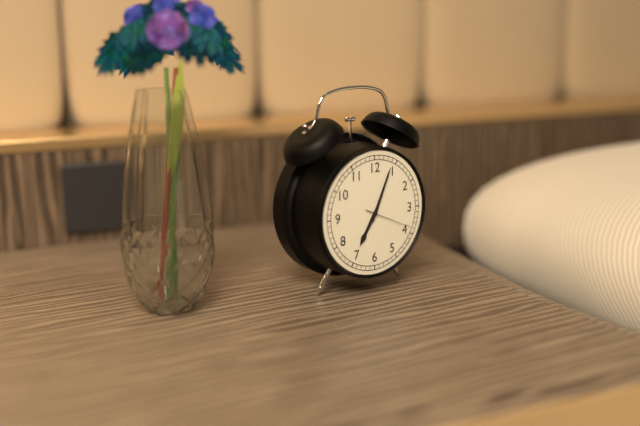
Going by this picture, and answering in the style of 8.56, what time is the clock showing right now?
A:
7.04
